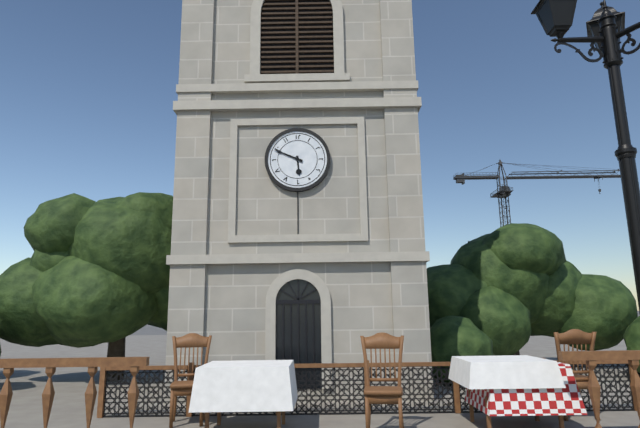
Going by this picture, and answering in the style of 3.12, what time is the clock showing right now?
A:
5.49
